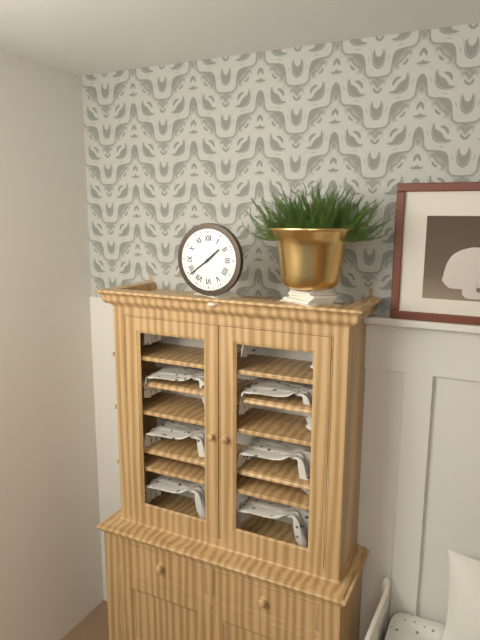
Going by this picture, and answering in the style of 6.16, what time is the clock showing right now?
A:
1.39
